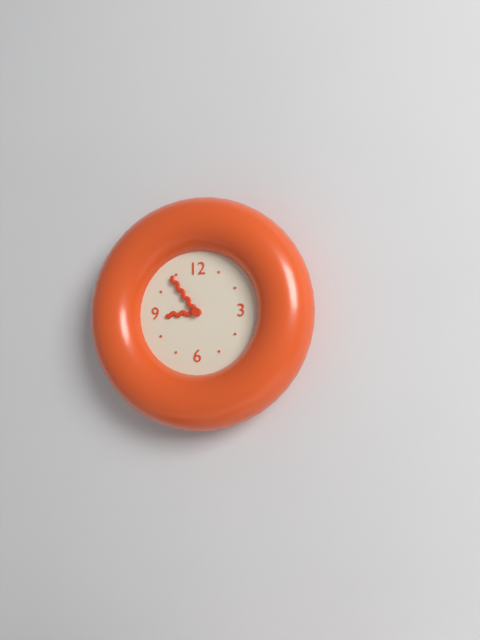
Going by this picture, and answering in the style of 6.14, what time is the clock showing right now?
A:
8.54
